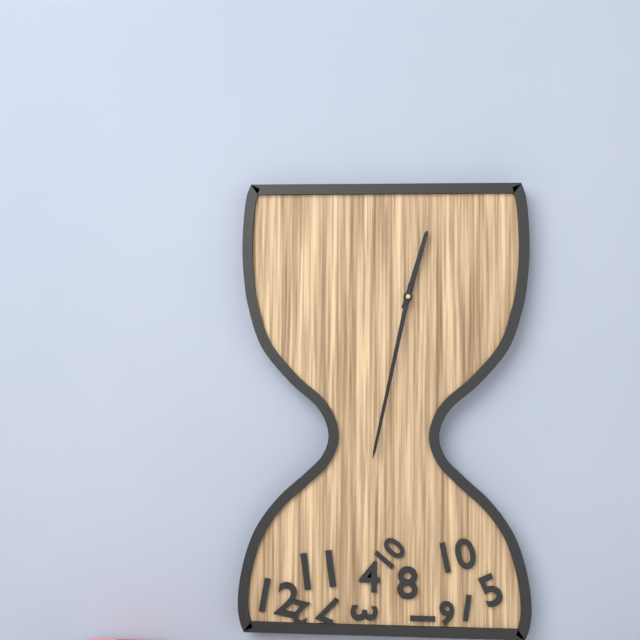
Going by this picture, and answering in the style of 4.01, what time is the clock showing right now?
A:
12.32
